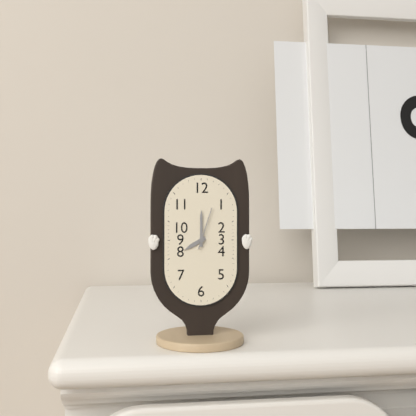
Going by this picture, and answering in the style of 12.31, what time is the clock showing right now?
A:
8.00
